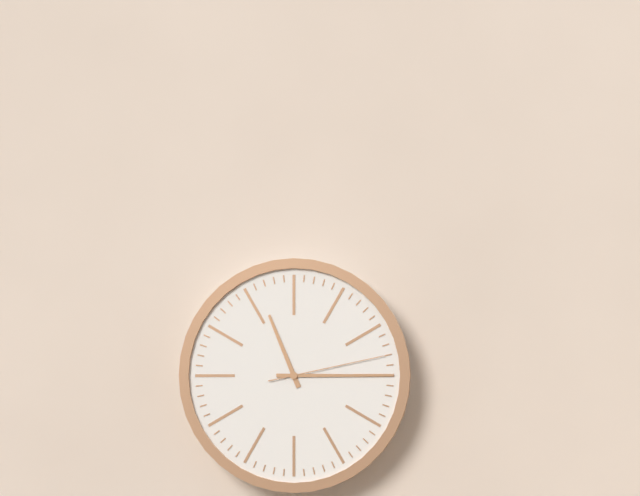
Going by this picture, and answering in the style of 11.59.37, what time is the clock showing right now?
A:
11.15.13
